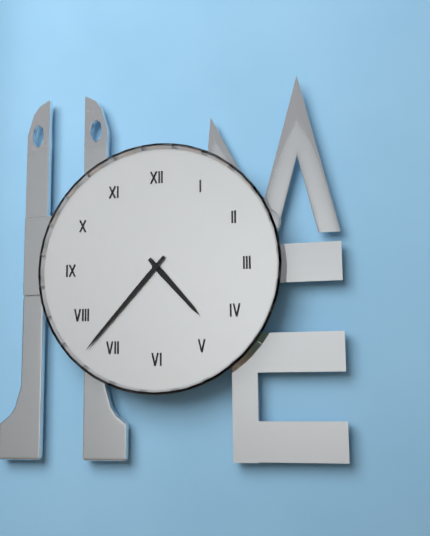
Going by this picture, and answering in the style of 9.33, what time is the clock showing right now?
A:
4.37
